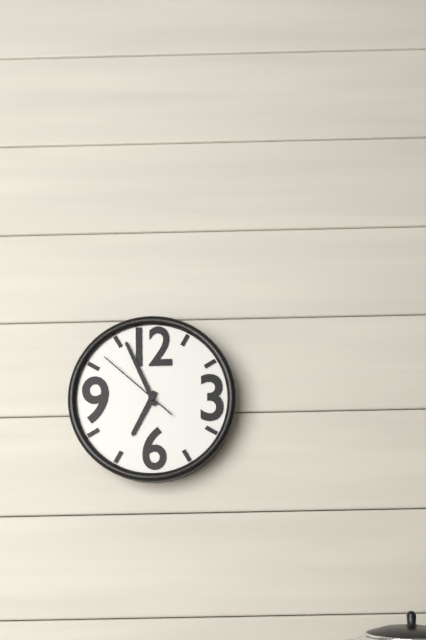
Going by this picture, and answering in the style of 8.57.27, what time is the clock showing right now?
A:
6.56.52
